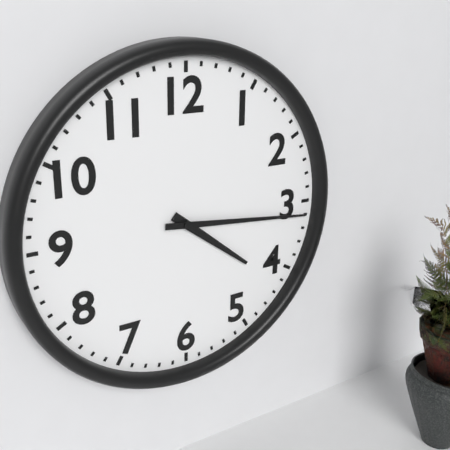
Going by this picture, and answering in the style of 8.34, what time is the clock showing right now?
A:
4.16
